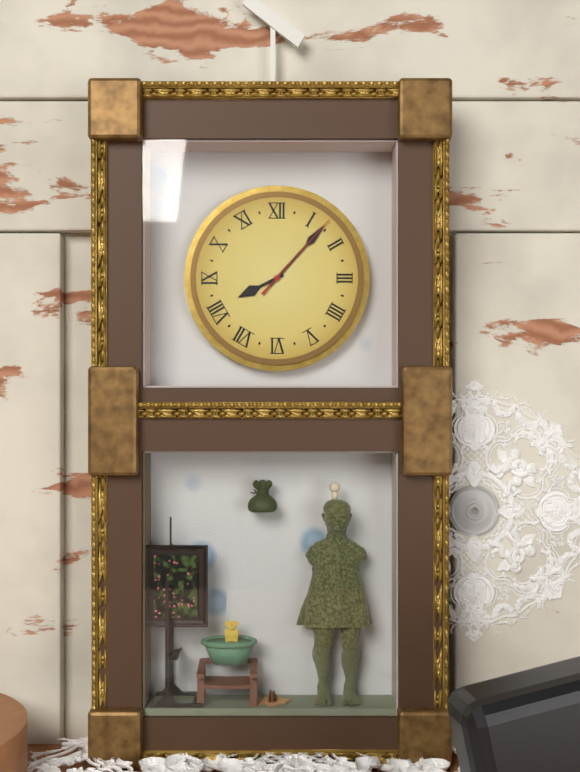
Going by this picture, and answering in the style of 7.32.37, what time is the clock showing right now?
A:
8.07.07
